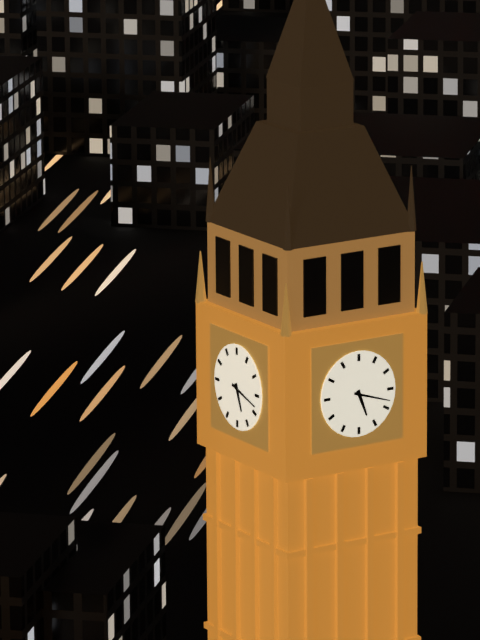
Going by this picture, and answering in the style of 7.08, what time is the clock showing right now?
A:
5.18
